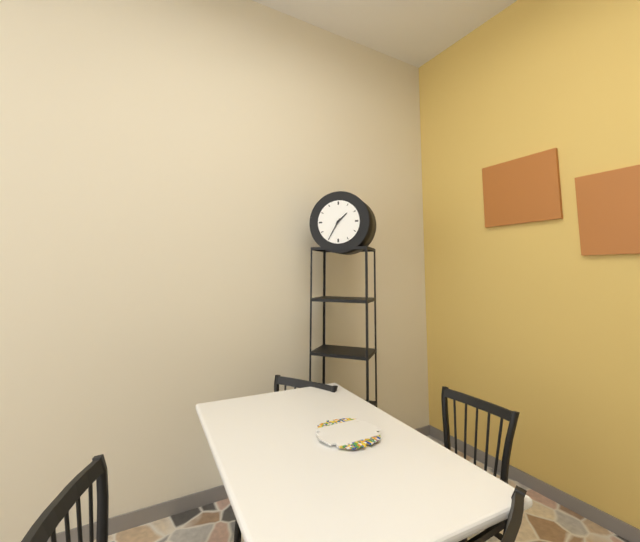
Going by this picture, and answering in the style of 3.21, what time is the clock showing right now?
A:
1.35
